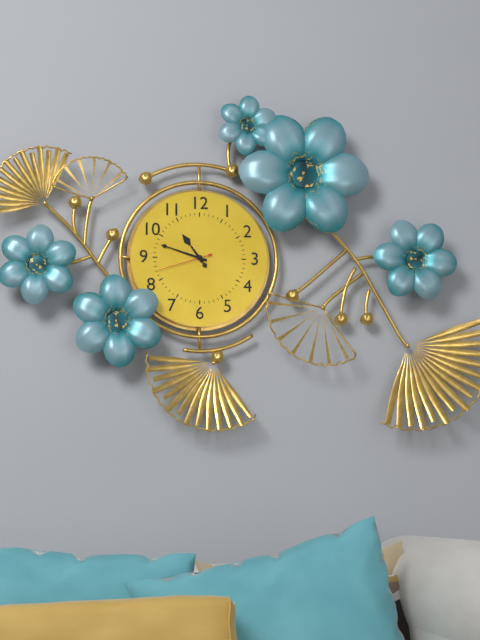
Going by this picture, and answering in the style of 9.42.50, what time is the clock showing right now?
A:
10.48.42
